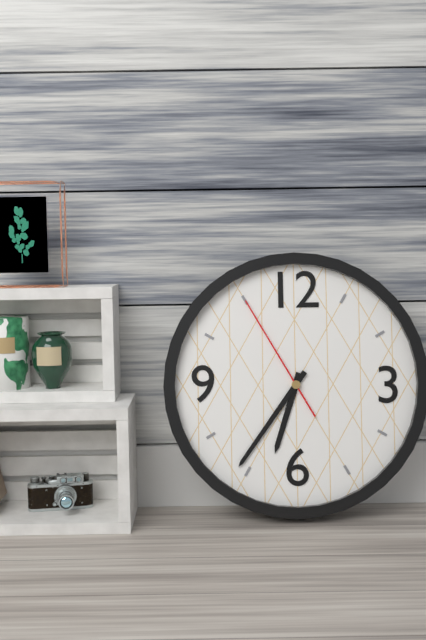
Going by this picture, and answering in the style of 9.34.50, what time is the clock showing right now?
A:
6.36.55
